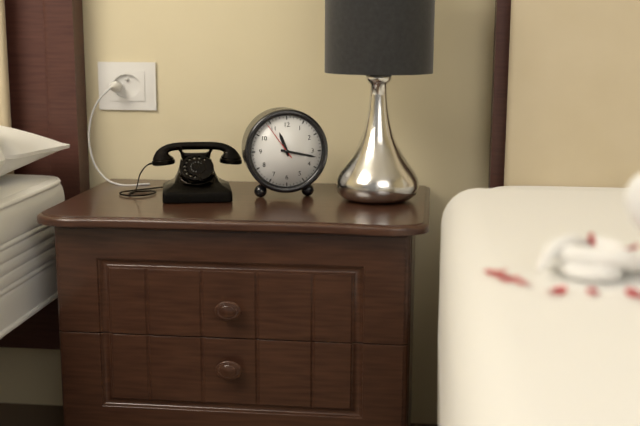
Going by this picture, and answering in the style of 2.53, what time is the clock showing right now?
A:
11.17
